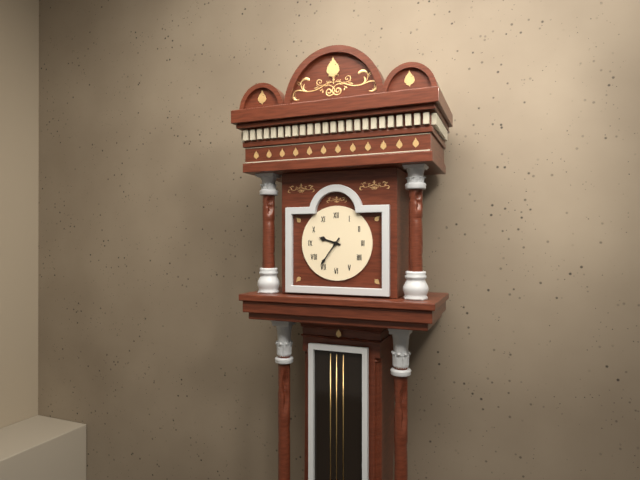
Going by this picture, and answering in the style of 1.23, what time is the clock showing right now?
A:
9.36
